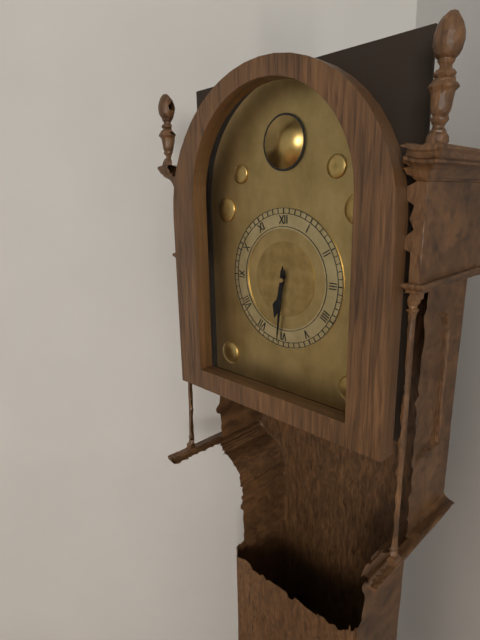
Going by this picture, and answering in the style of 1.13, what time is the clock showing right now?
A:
6.31
